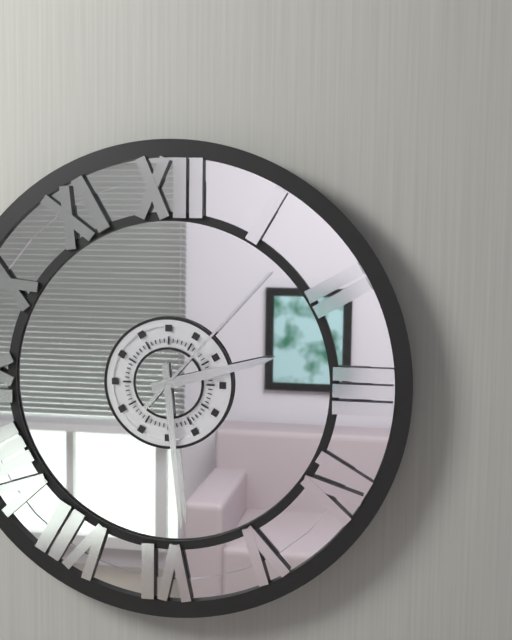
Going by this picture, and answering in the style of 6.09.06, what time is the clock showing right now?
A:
2.29.07
